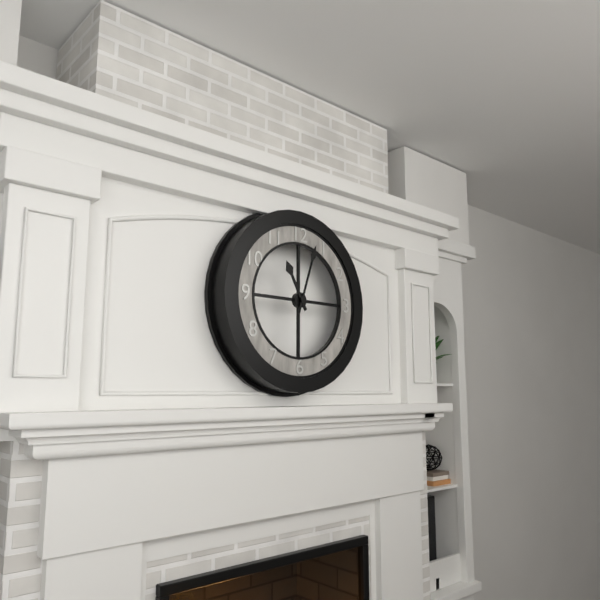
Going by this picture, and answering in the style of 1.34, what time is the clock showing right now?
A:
11.03
